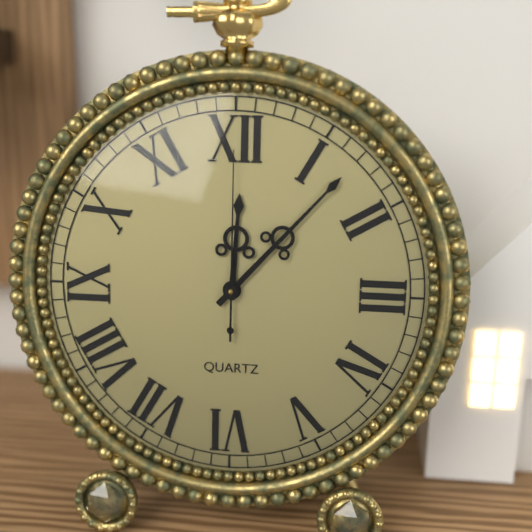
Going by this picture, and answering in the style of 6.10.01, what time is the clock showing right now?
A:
12.07.00
